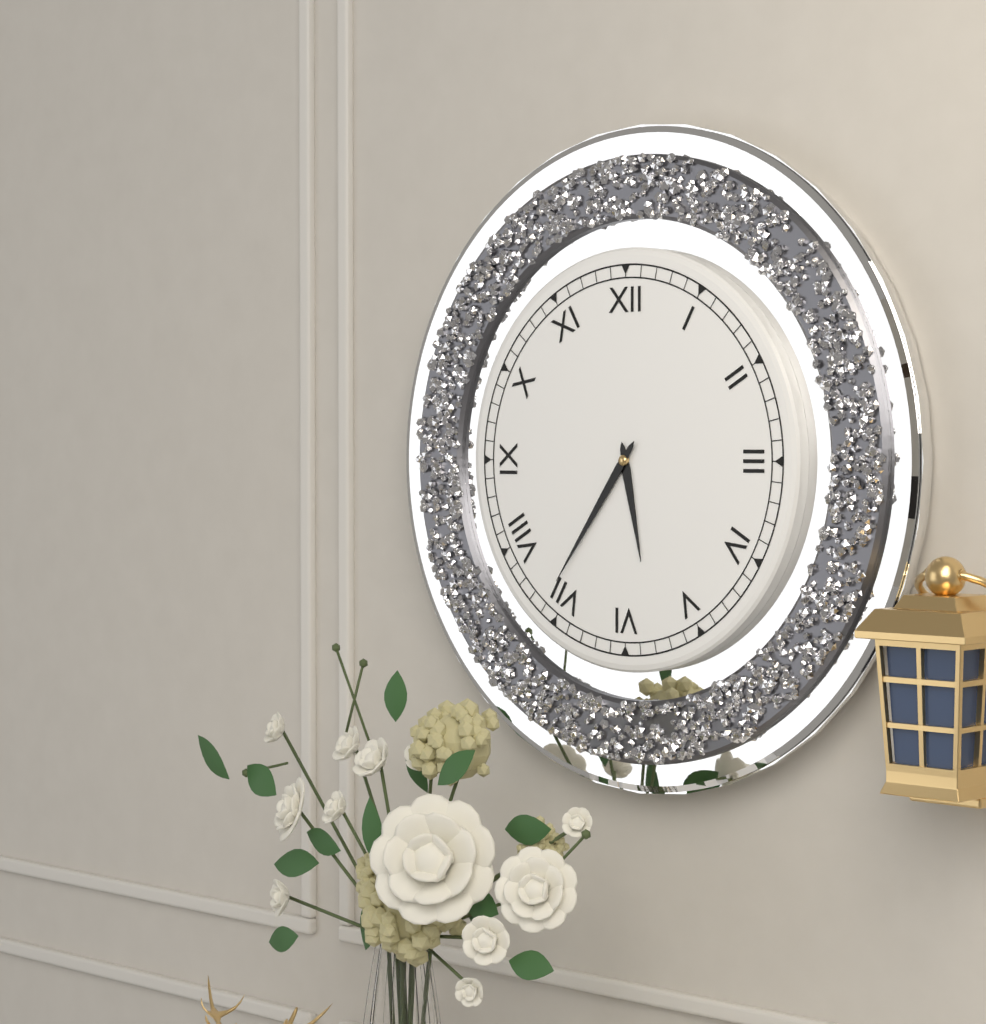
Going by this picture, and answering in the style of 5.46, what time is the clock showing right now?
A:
5.36
